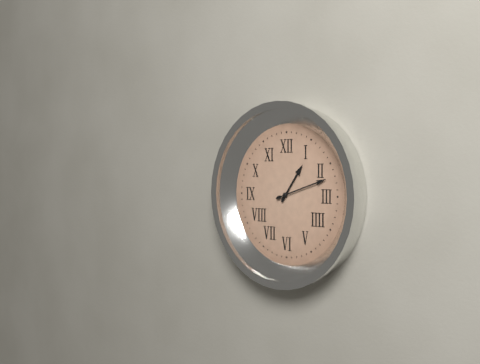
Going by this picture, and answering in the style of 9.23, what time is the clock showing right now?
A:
1.12
